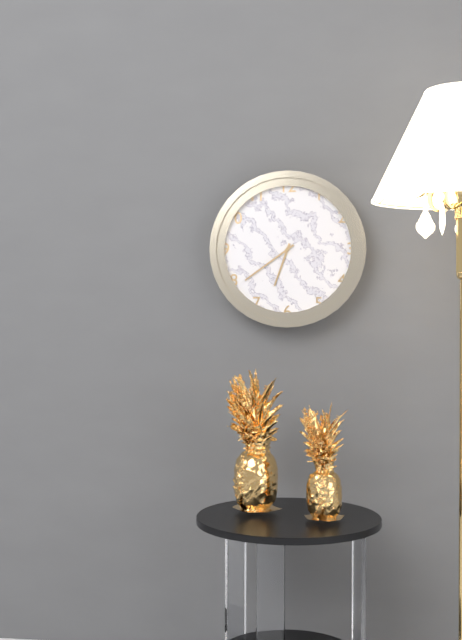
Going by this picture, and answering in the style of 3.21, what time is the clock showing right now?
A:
6.39
